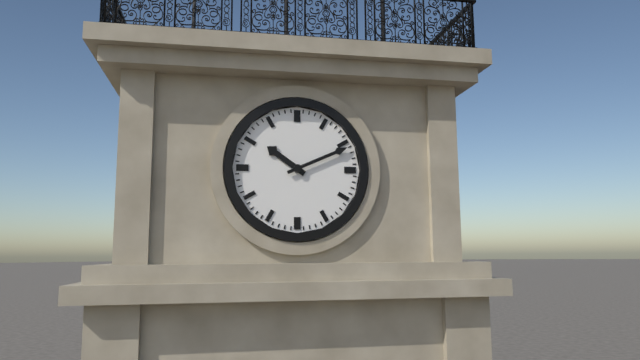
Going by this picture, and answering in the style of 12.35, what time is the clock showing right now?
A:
10.11
